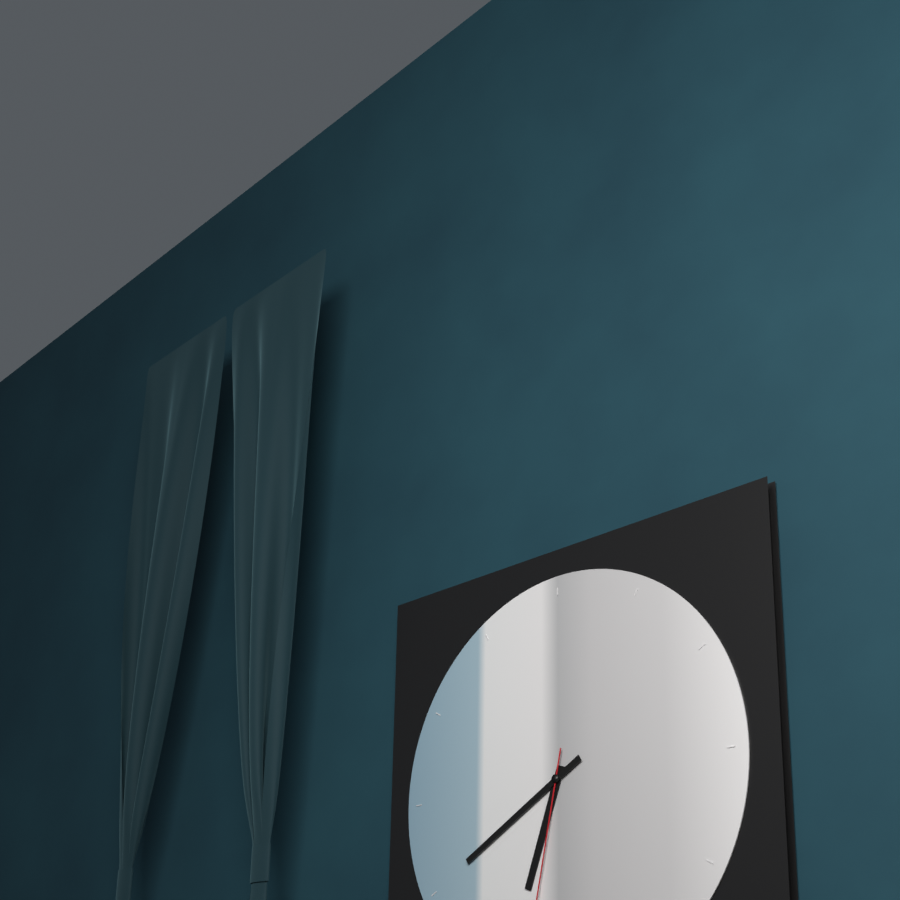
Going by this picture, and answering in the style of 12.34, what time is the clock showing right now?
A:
6.40
